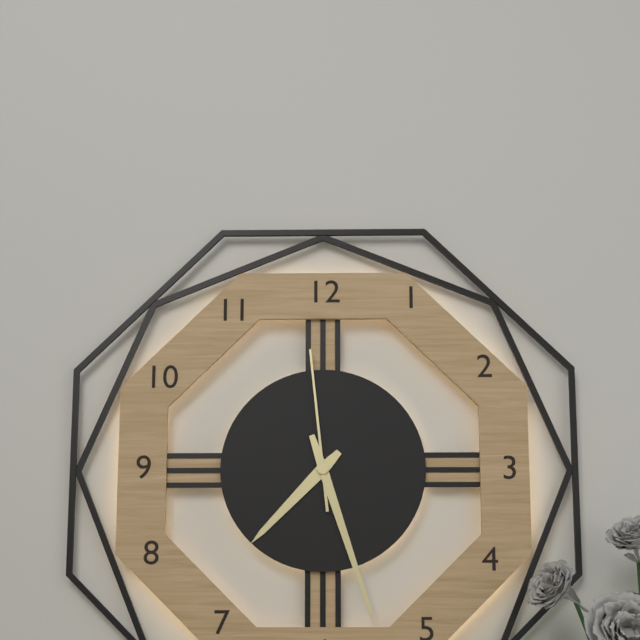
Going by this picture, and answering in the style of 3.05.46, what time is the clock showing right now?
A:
7.27.59
